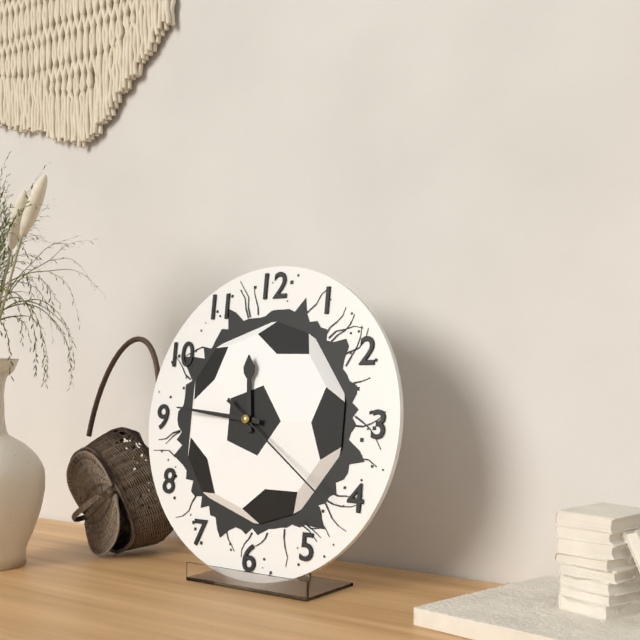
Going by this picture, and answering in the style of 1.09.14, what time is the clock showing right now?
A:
11.46.21
